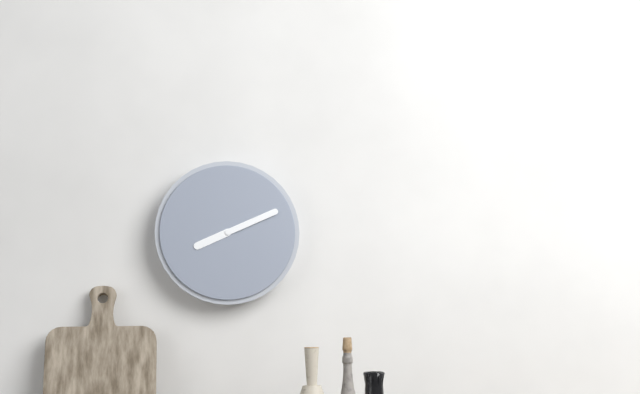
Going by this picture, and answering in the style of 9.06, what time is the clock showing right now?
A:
8.11
